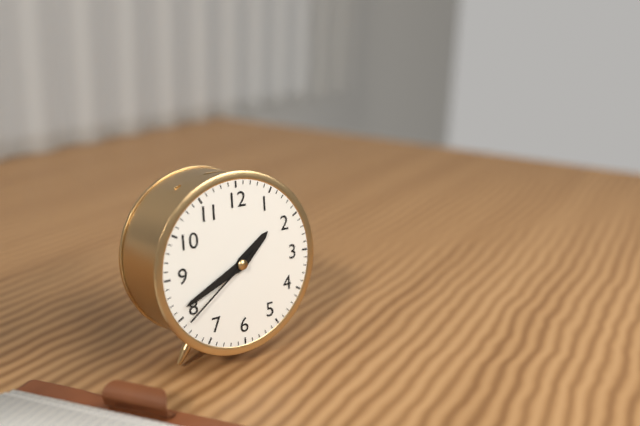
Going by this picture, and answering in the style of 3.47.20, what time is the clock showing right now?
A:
1.41.39
